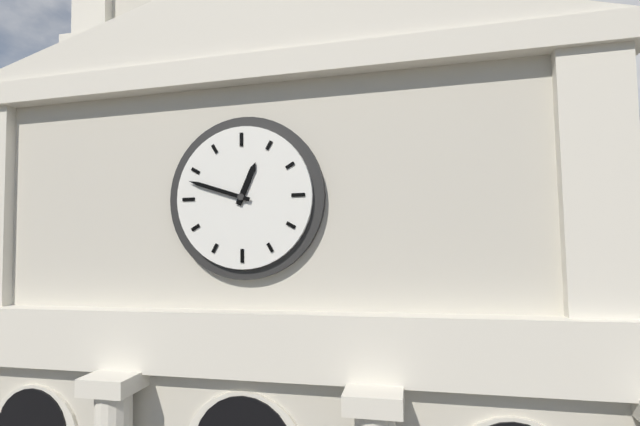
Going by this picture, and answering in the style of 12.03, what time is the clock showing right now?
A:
12.48
